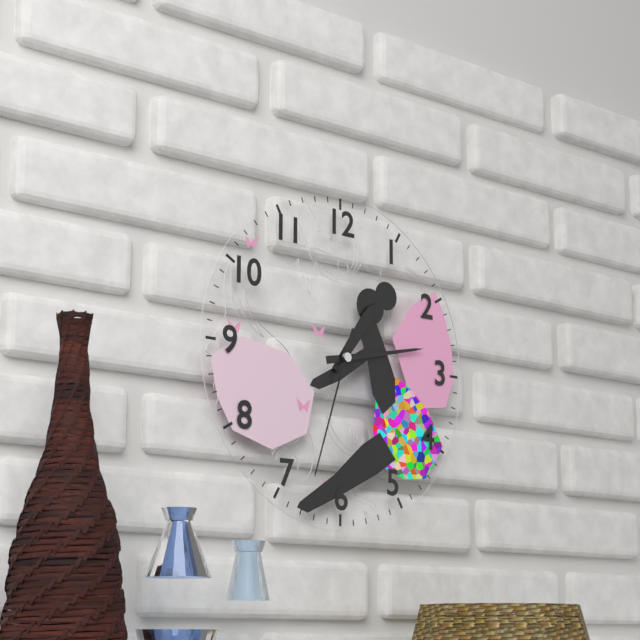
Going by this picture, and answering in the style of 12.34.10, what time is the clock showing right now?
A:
1.13.33
